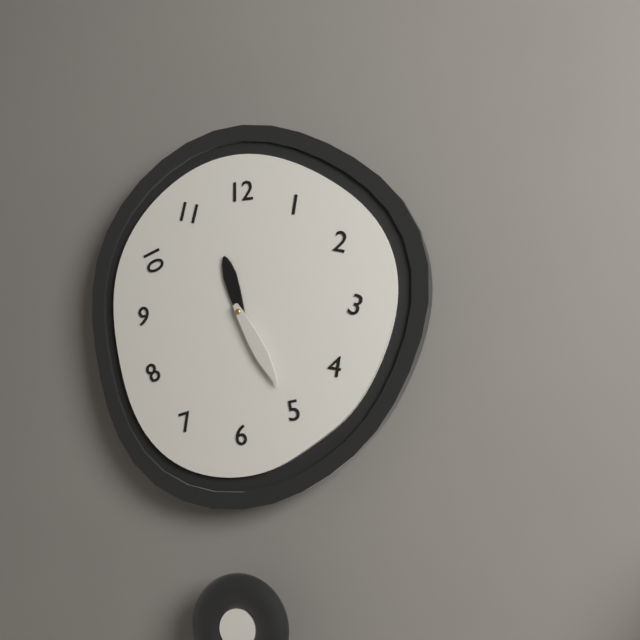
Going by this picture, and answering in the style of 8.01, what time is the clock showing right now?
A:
11.25
